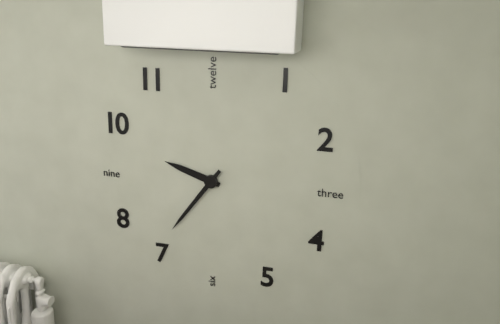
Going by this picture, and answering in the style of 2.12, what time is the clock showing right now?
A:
9.36
